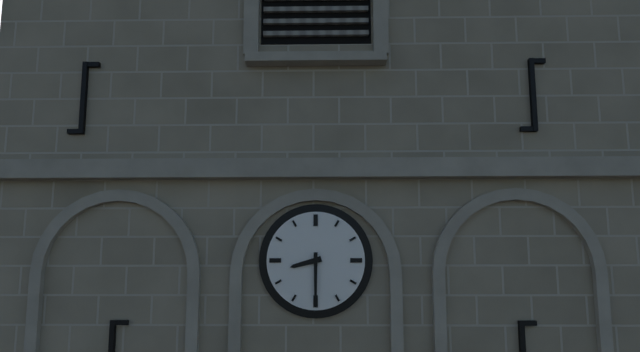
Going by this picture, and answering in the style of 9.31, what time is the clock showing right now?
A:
8.30
